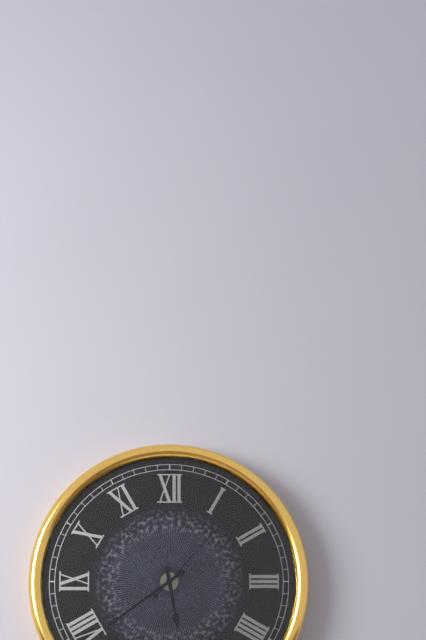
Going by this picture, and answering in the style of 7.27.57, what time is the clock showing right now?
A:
5.39.07
